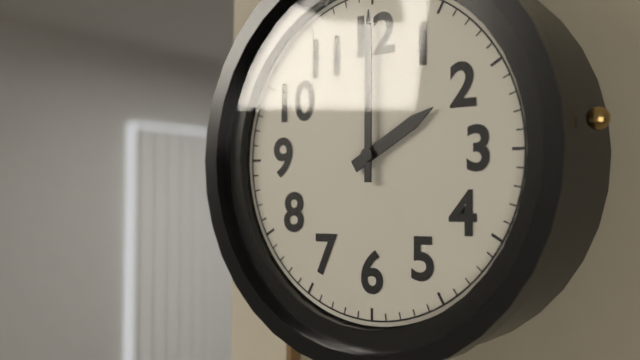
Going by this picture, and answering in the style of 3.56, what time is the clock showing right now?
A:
2.00
